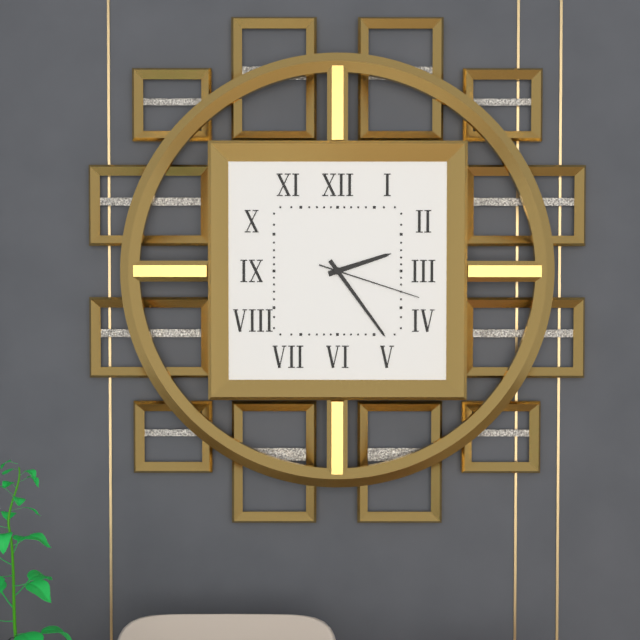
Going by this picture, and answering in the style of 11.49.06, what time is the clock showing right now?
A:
2.24.18
